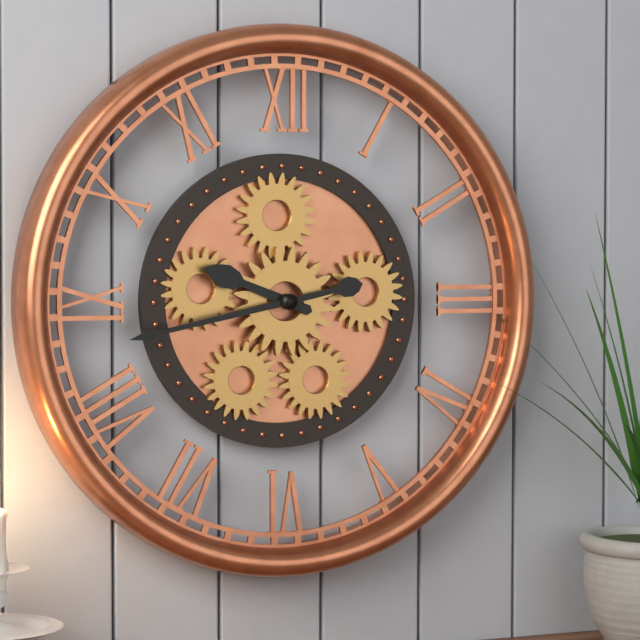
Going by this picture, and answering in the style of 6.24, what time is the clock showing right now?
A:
9.43
